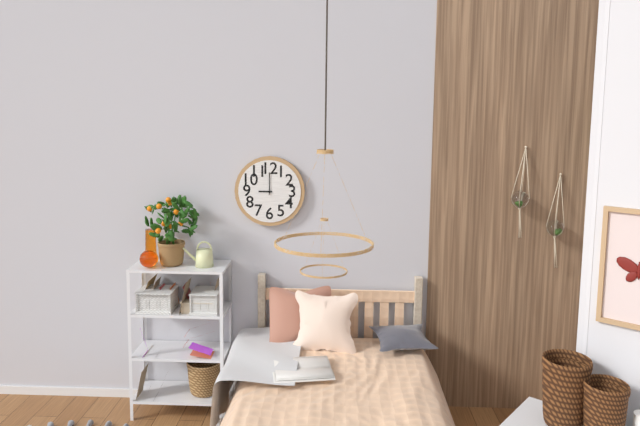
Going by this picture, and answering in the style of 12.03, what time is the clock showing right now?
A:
9.00
